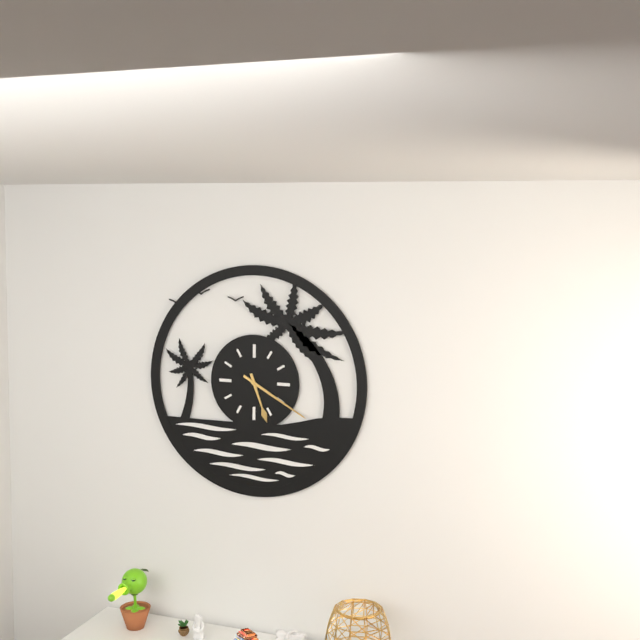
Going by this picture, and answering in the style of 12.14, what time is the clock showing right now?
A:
5.20
